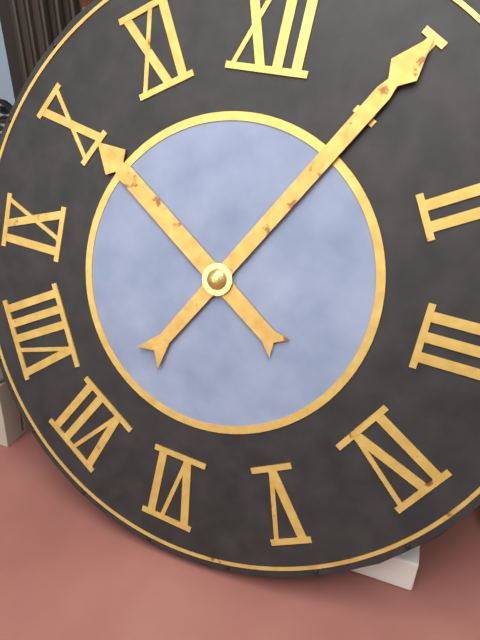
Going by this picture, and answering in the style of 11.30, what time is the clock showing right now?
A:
10.05
